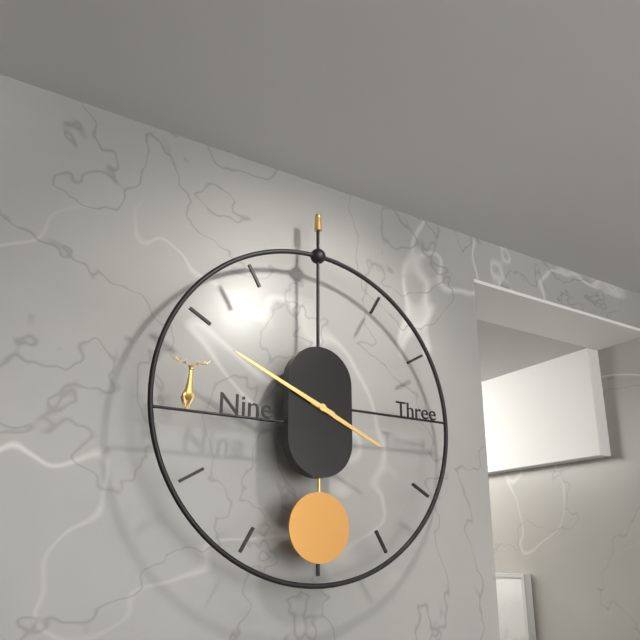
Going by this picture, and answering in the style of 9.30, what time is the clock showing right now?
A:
3.49
